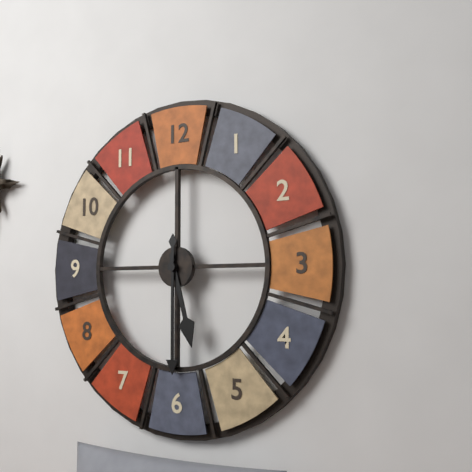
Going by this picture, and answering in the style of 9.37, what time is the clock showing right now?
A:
5.30
